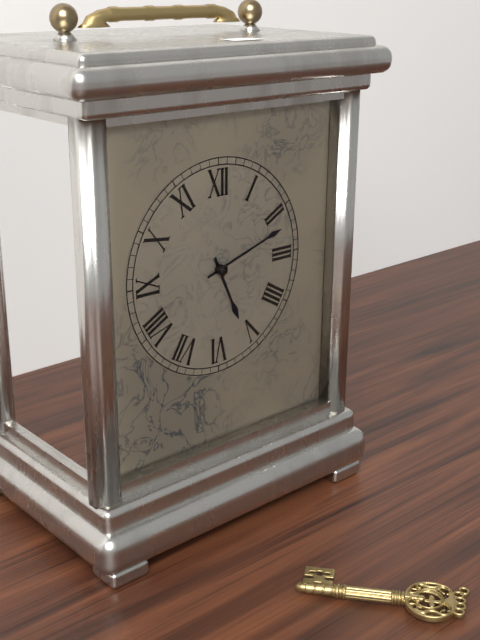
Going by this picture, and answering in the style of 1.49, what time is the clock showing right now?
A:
5.12
